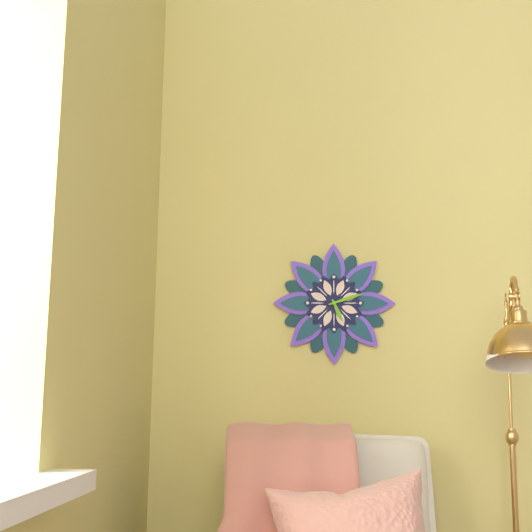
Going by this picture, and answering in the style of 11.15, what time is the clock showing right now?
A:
5.12
